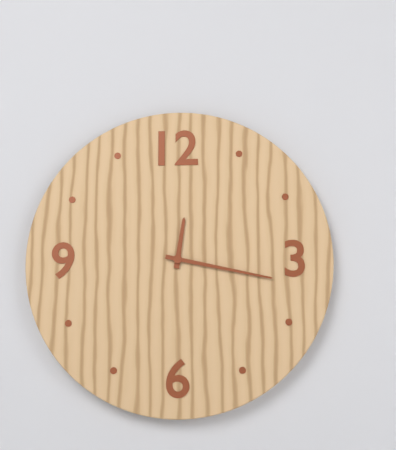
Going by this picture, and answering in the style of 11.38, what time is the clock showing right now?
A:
12.17
